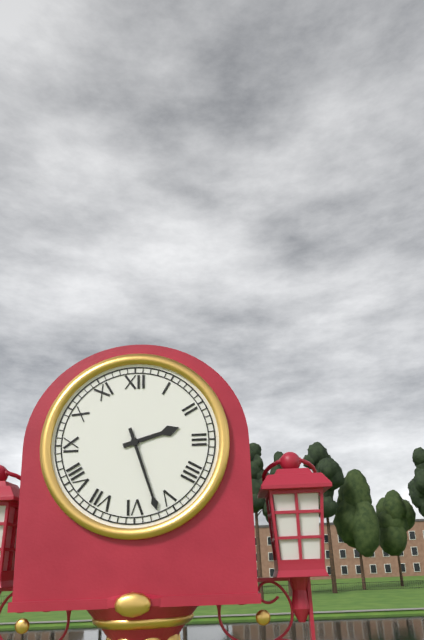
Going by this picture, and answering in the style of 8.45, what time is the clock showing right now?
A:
2.27
